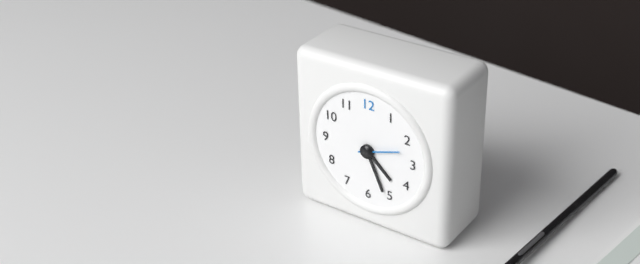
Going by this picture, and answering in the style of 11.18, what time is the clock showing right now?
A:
4.26
